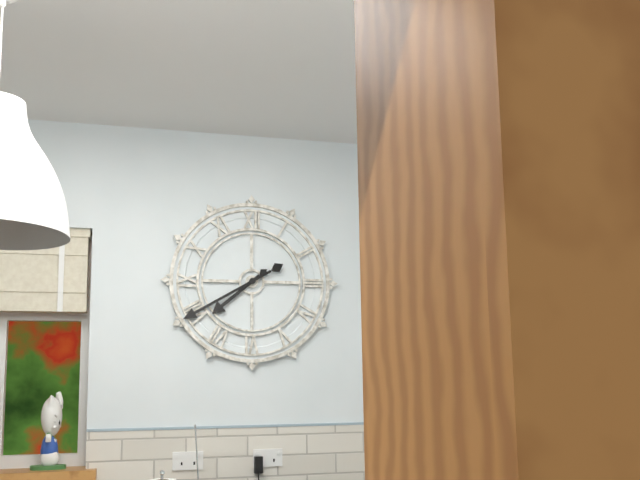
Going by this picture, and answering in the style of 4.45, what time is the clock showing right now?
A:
7.40
